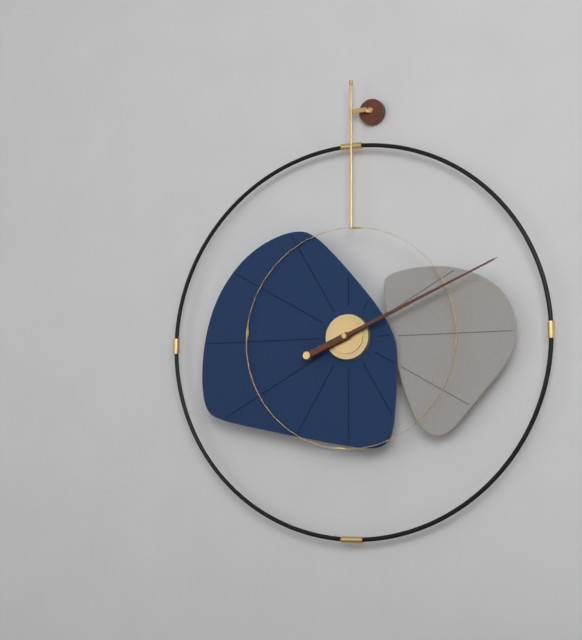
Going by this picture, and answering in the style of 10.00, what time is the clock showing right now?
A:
2.11
